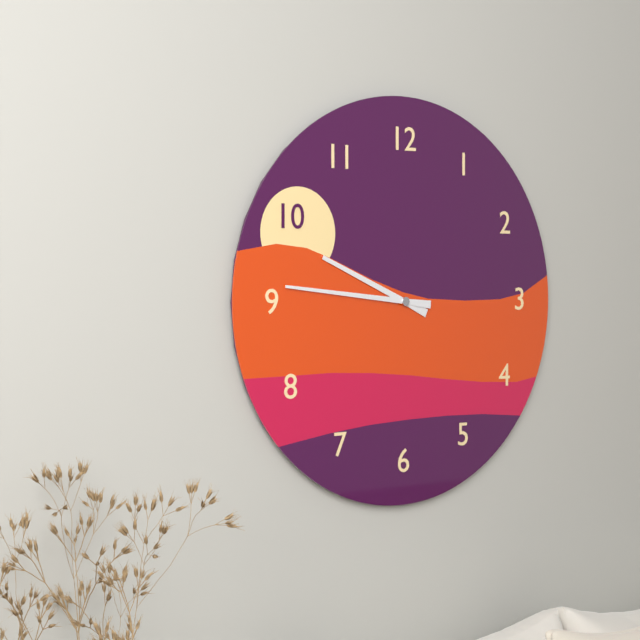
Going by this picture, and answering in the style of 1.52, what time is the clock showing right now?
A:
9.46
